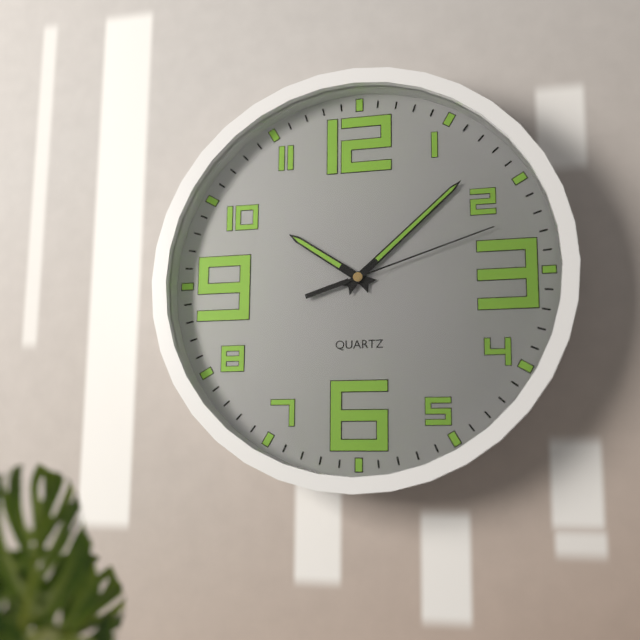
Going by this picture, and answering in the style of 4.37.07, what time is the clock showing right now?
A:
10.08.12
